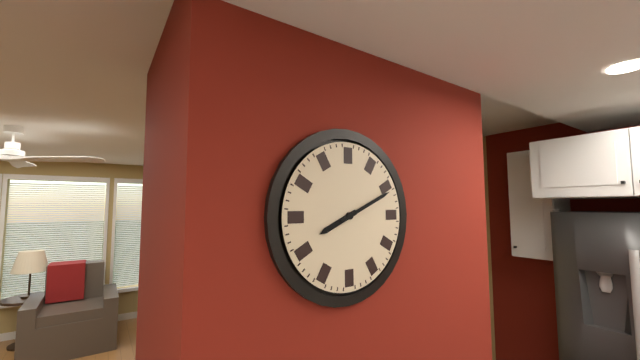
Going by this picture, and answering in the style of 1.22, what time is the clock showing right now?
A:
8.11
